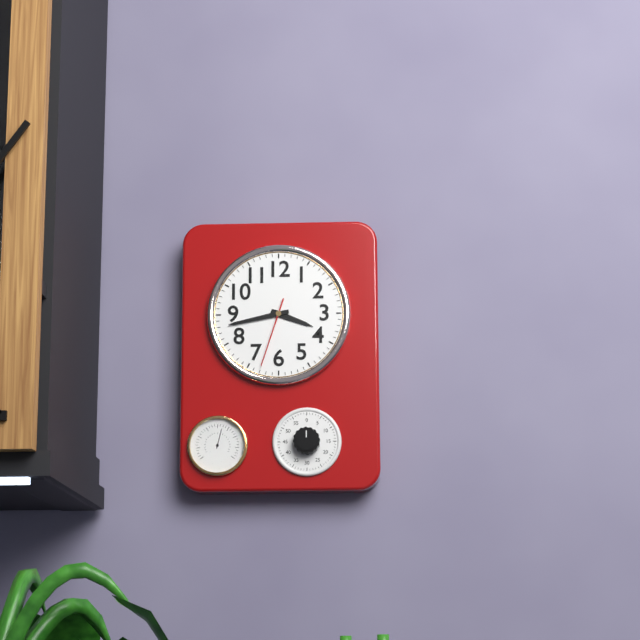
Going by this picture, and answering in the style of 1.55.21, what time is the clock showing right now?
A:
3.43.33
